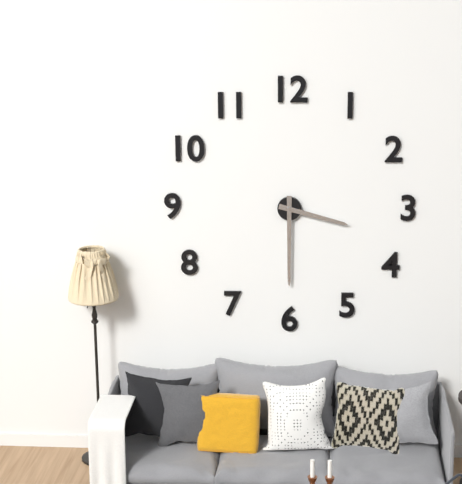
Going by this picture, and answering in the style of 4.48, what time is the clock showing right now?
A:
3.30
